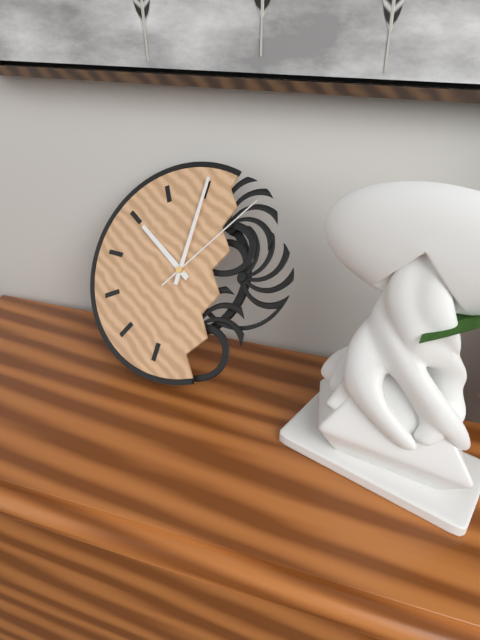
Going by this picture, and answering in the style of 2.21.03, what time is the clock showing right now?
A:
10.00.06
